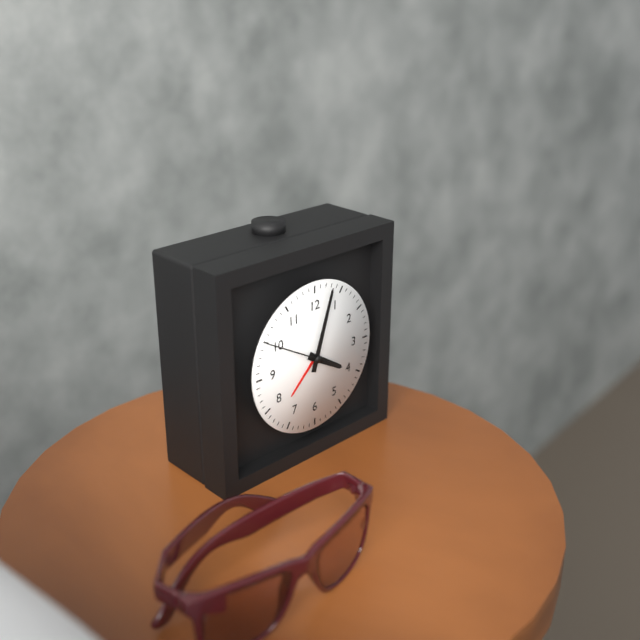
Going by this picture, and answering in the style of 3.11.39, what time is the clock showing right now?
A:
4.03.50
